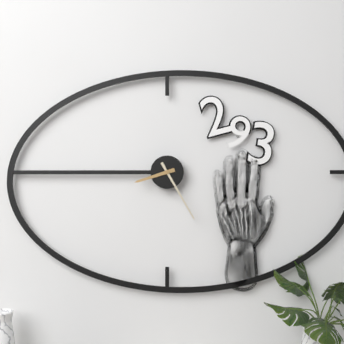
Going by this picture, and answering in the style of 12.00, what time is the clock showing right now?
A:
8.25
